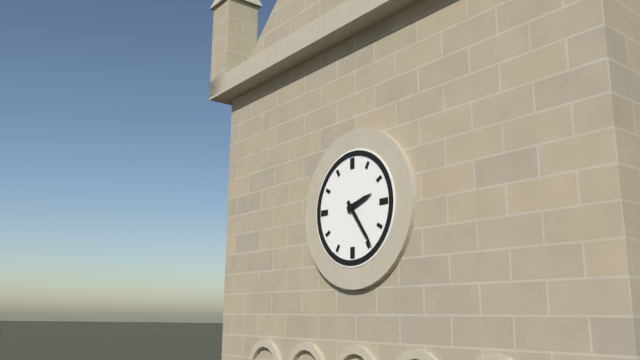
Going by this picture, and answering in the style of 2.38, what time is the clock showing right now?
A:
2.24
